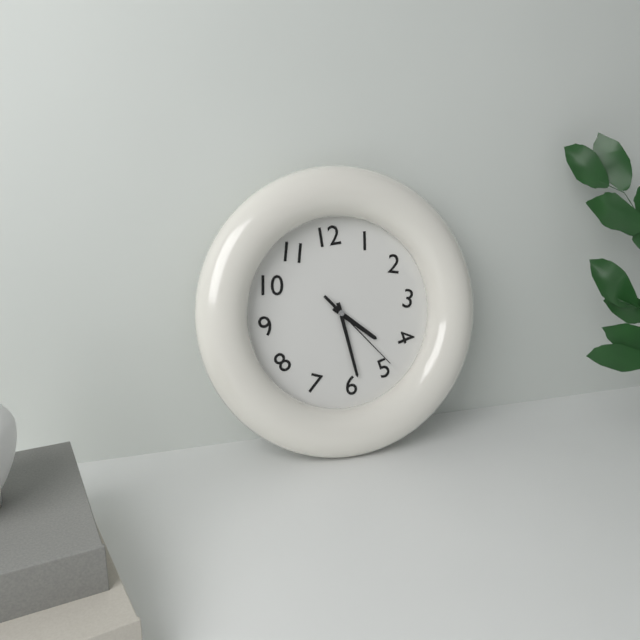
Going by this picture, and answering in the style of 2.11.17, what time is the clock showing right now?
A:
4.29.24
